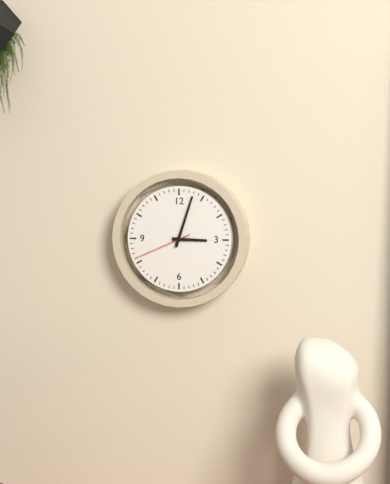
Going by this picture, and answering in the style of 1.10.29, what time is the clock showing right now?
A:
3.03.41
